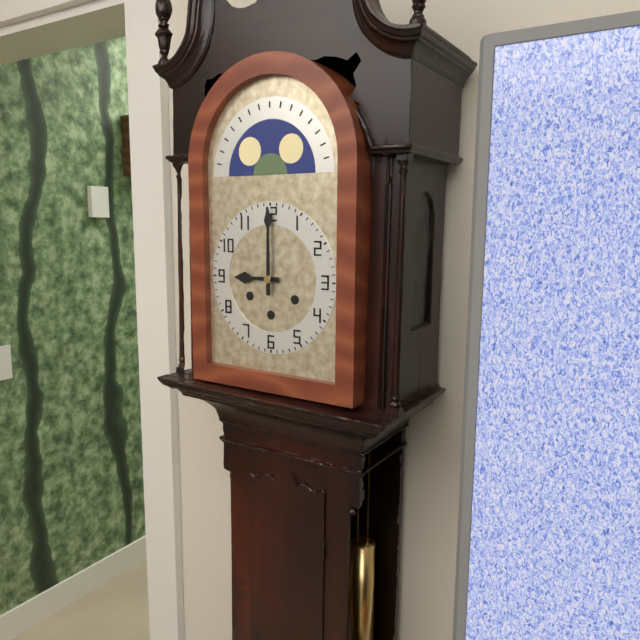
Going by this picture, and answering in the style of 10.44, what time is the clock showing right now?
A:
9.00
